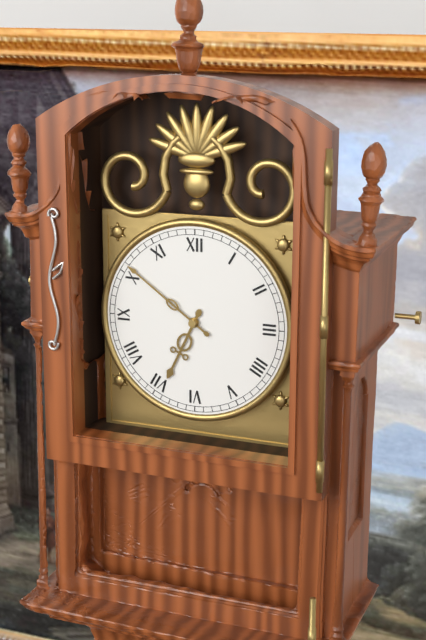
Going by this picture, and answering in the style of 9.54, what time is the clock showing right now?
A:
6.51
